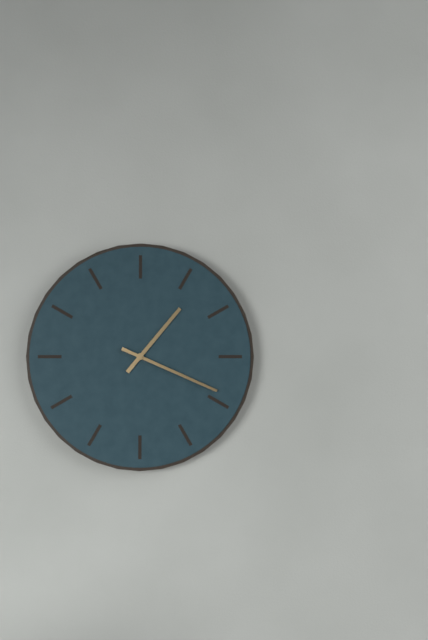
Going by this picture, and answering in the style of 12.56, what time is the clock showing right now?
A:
1.19
